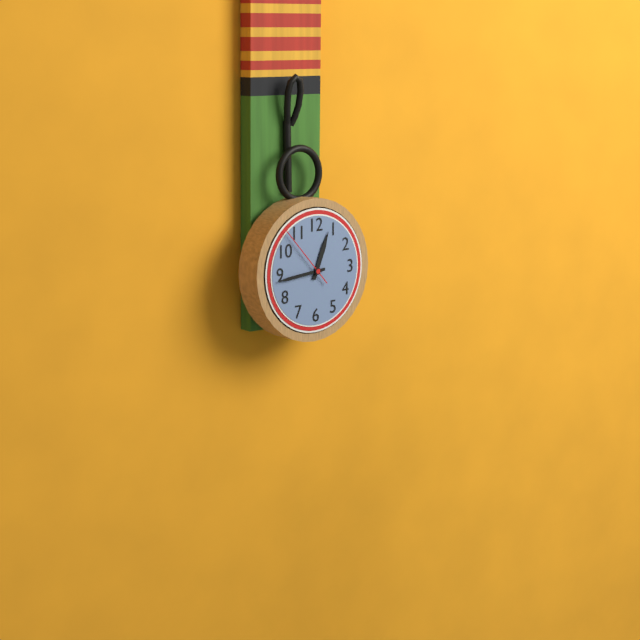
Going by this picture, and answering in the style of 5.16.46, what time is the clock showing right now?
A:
12.44.53
